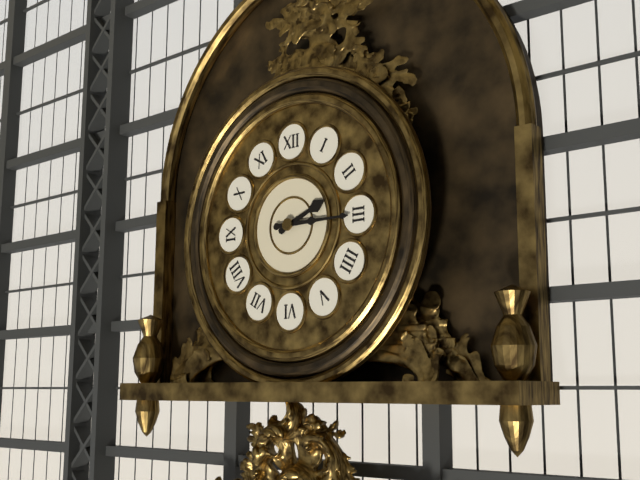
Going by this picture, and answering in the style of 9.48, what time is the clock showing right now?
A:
2.15
